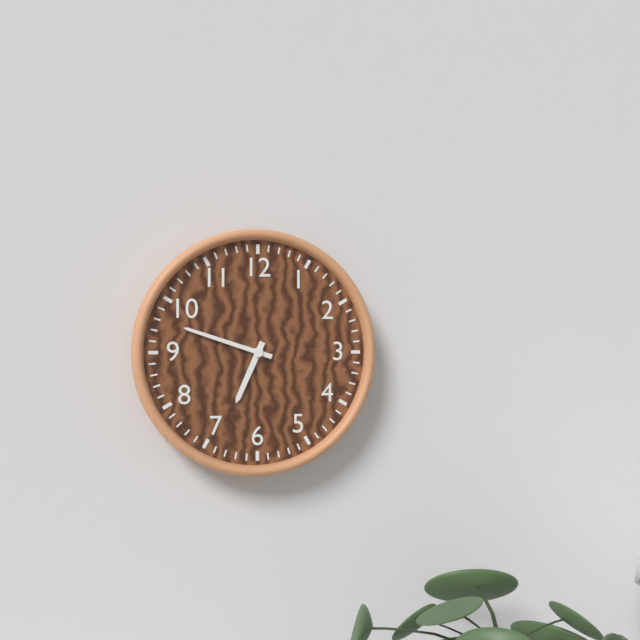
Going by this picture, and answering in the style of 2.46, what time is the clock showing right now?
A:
6.48
